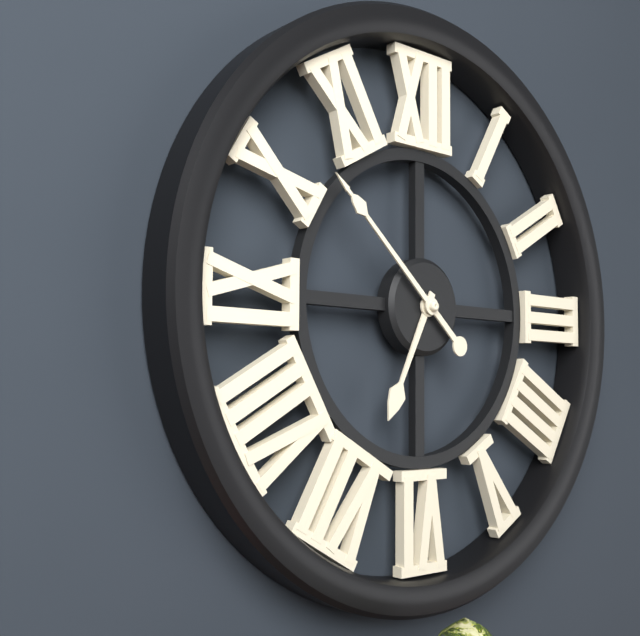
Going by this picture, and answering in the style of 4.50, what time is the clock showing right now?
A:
6.52
